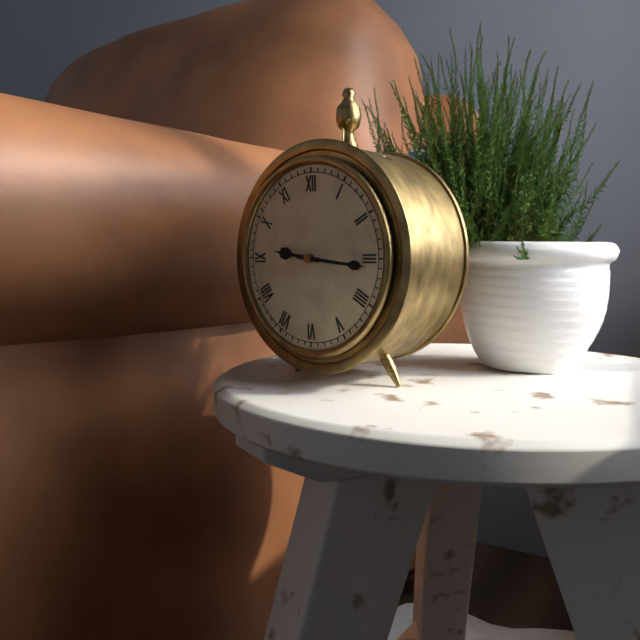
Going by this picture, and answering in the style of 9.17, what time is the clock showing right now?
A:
9.16
